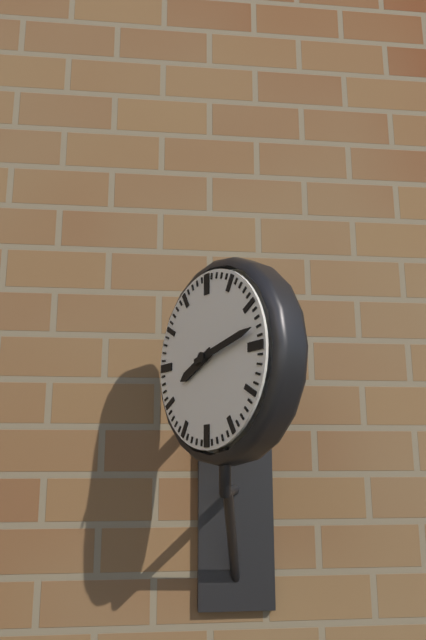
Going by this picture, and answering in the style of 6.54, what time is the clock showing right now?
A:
8.13
